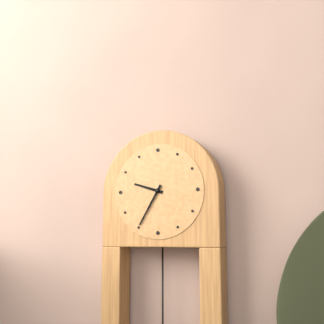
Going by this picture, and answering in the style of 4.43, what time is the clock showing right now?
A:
9.35
